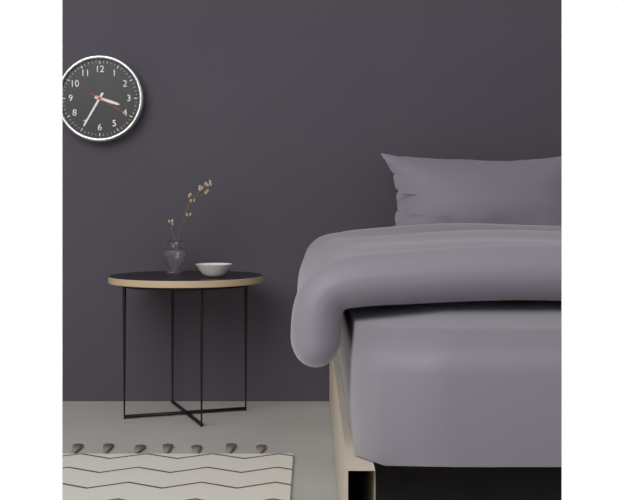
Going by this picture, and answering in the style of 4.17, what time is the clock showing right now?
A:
3.35
